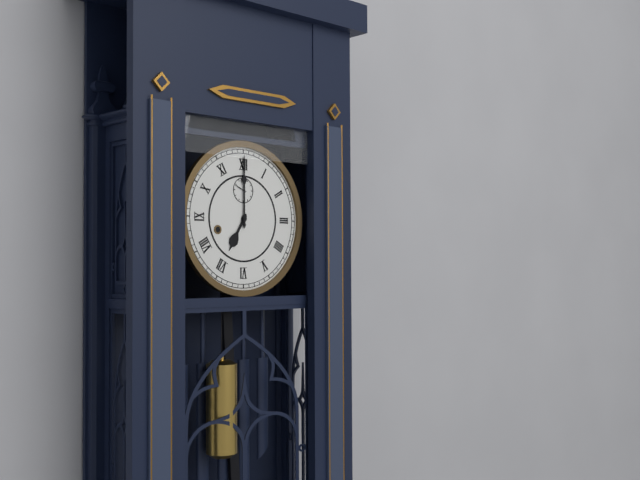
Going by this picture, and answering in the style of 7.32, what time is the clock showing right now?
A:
7.00
